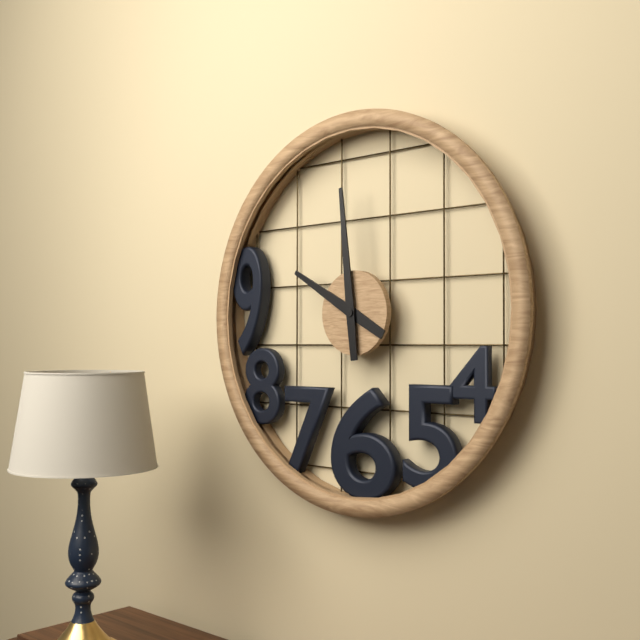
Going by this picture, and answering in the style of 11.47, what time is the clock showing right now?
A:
9.59
